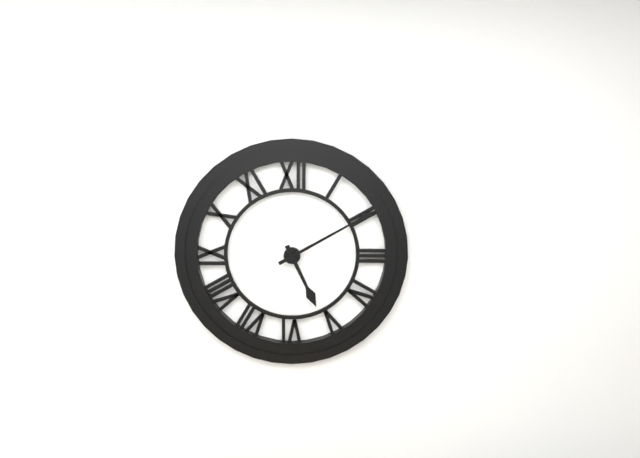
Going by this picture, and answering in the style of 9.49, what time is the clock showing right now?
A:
5.10
